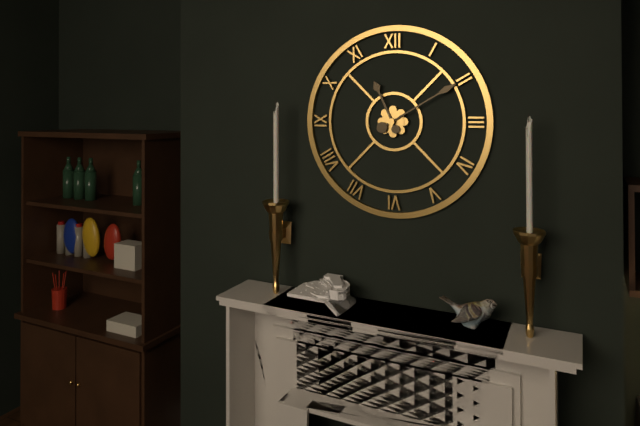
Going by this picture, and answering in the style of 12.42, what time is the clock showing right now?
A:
11.10
